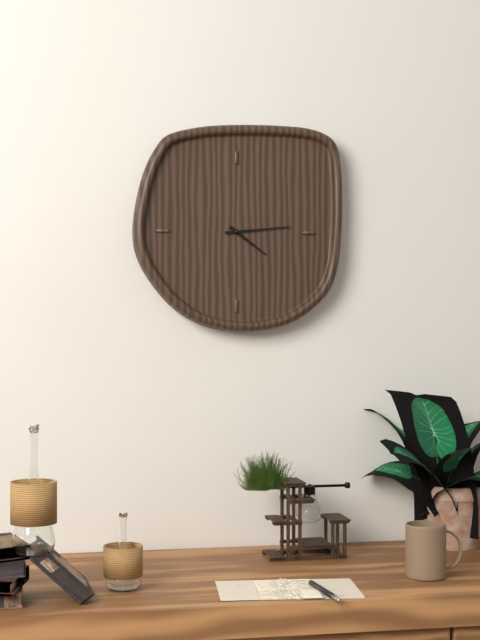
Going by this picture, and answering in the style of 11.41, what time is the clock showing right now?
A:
4.14
